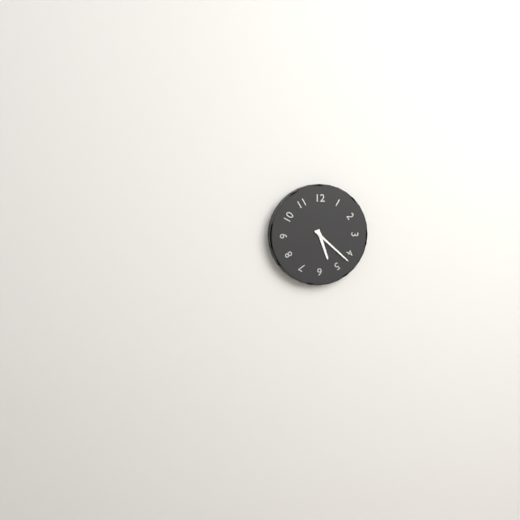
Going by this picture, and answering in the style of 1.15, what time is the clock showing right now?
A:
5.22
